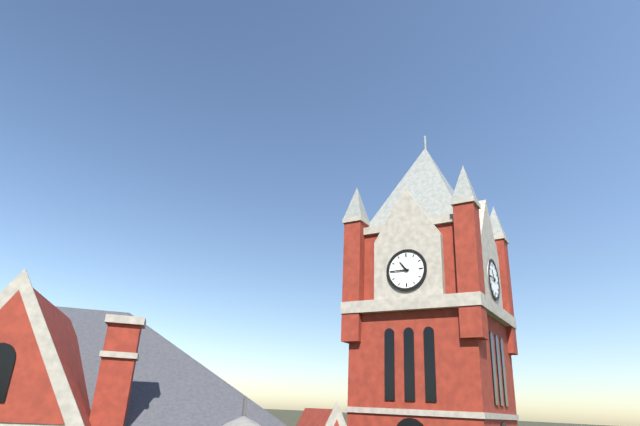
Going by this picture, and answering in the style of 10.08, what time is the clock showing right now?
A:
10.45
